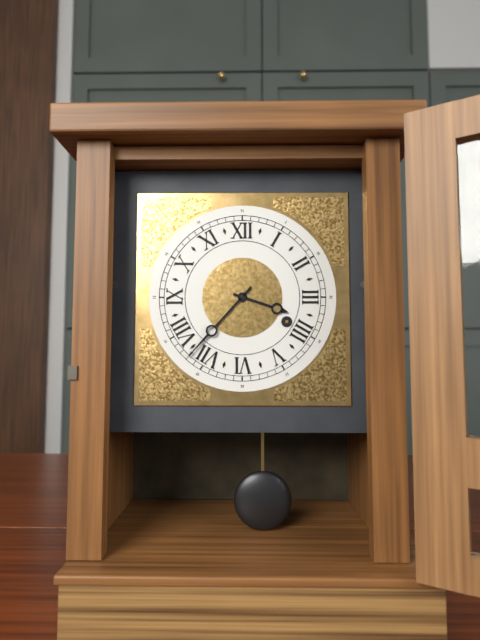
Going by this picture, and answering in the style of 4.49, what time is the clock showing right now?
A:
3.37
